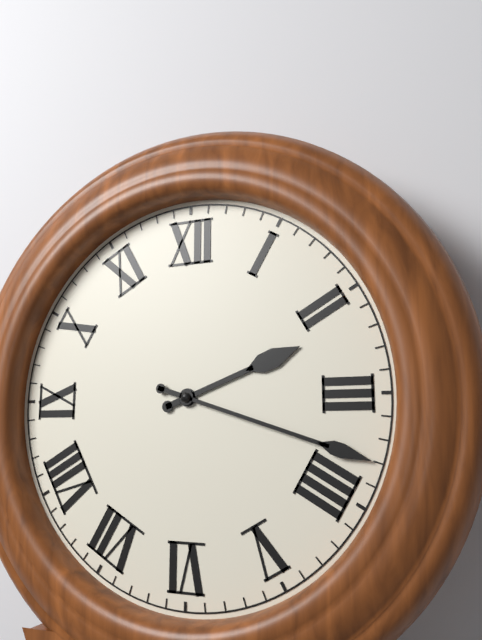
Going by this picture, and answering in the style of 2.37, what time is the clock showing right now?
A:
2.18
